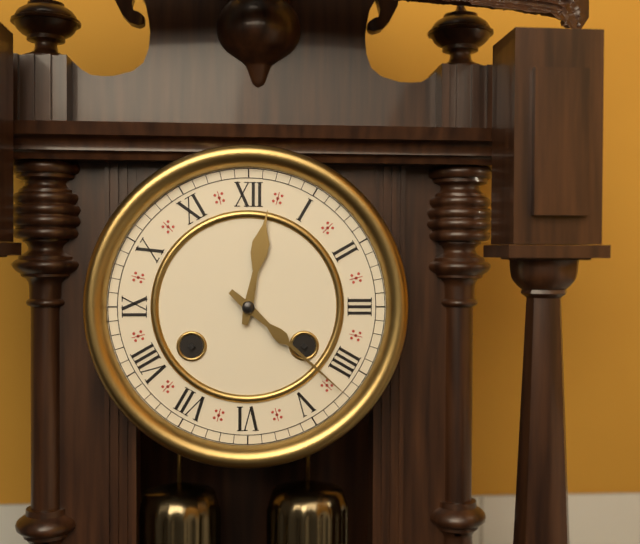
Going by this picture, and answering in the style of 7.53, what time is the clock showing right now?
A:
12.22
